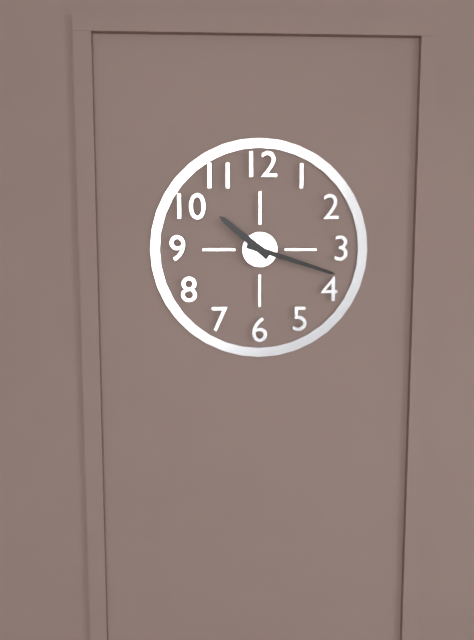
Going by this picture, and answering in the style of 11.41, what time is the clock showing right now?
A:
10.18
